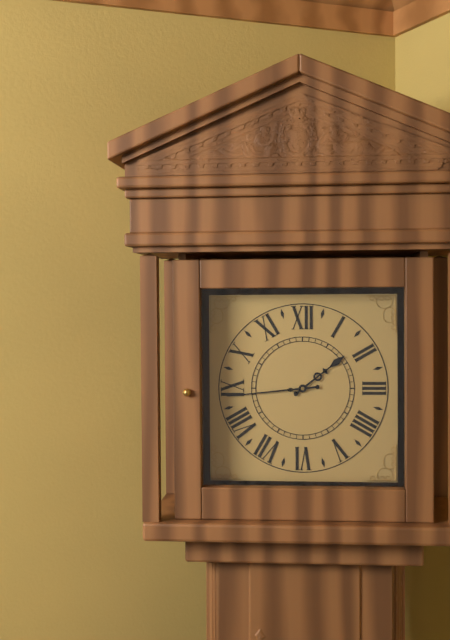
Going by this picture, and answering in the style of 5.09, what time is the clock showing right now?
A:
1.44
